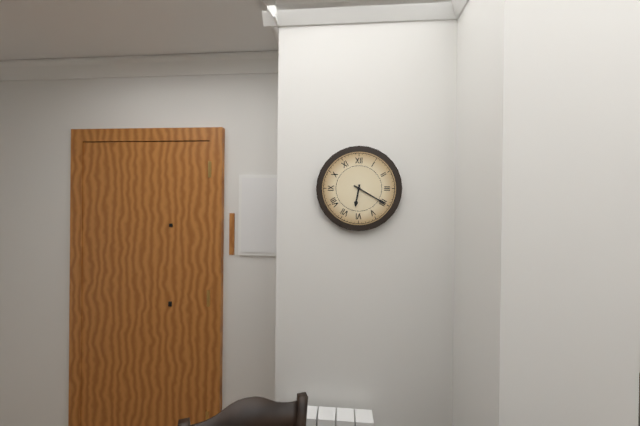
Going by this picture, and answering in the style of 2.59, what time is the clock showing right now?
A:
6.20
